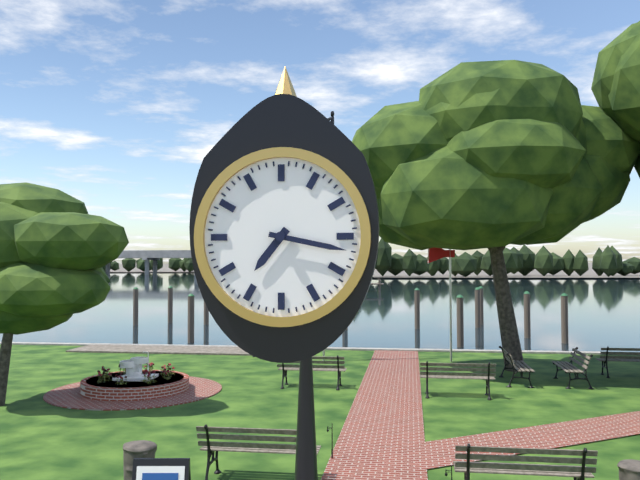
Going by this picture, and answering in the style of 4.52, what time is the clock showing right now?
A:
7.17
